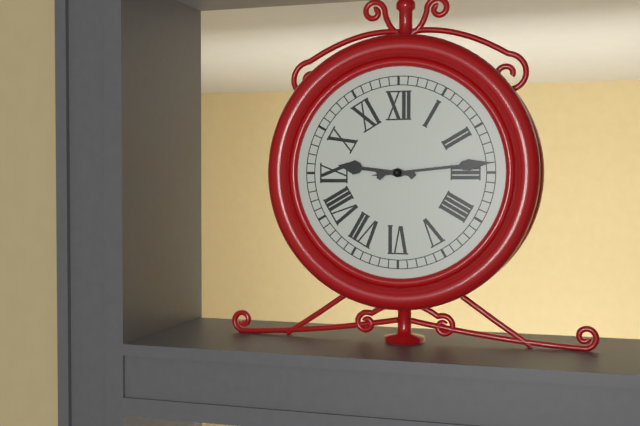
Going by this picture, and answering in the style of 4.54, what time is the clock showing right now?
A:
9.14
